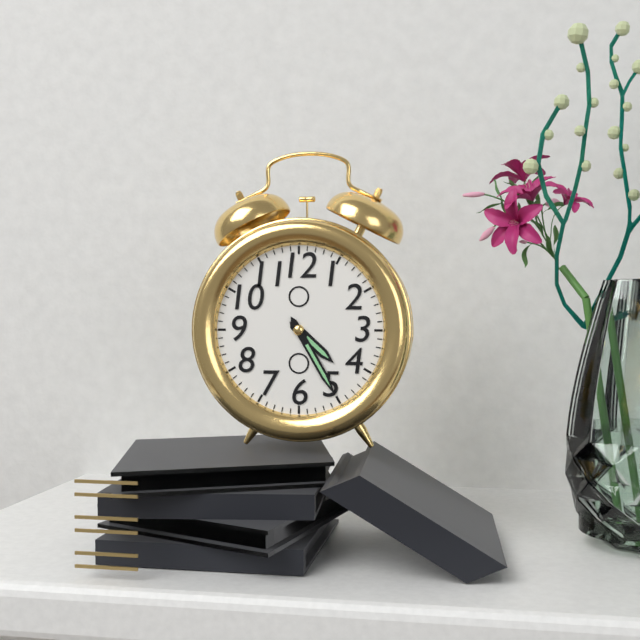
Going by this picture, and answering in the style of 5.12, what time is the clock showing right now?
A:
4.25
